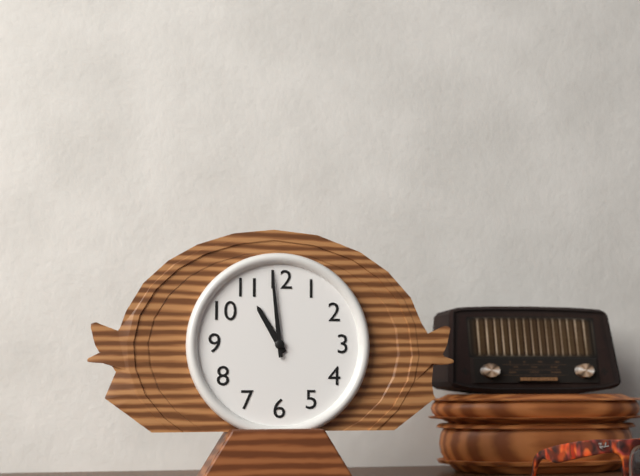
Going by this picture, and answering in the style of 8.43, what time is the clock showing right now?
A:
10.59
